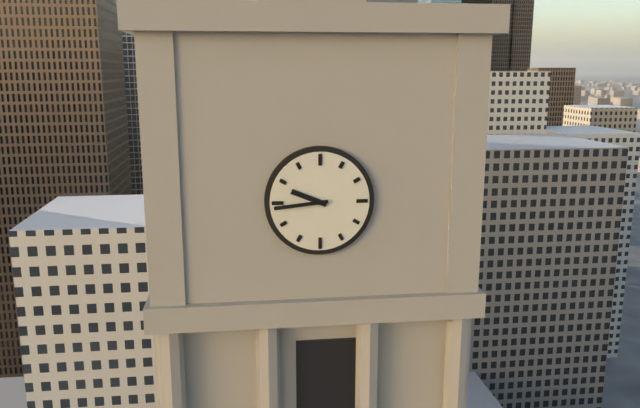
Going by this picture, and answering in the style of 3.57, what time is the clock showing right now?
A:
9.44
